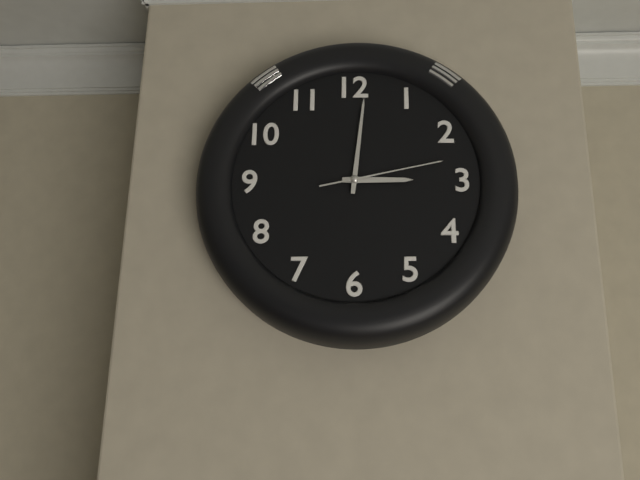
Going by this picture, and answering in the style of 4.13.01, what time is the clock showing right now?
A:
3.01.13
